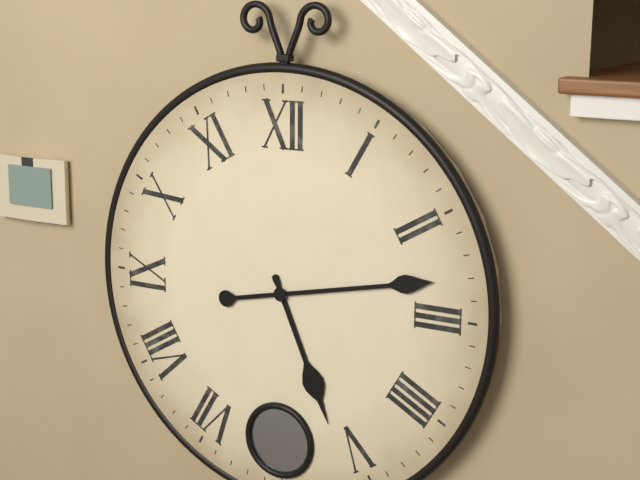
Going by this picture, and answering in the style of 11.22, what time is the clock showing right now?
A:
5.13
